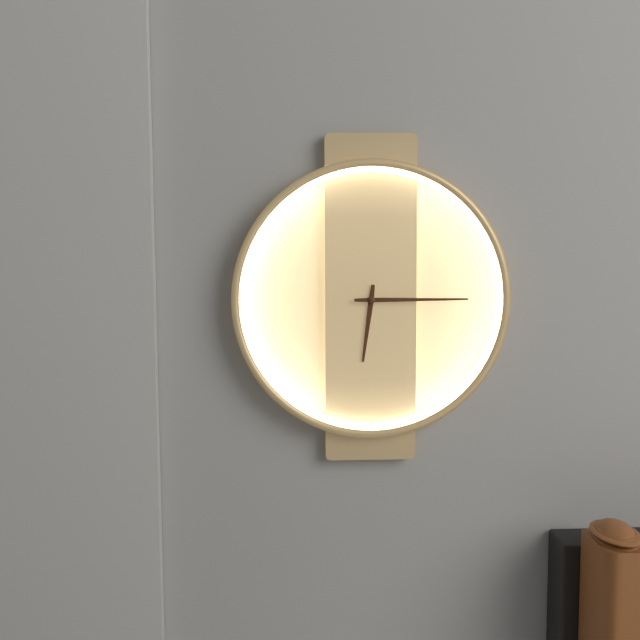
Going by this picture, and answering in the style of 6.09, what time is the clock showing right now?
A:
6.15
